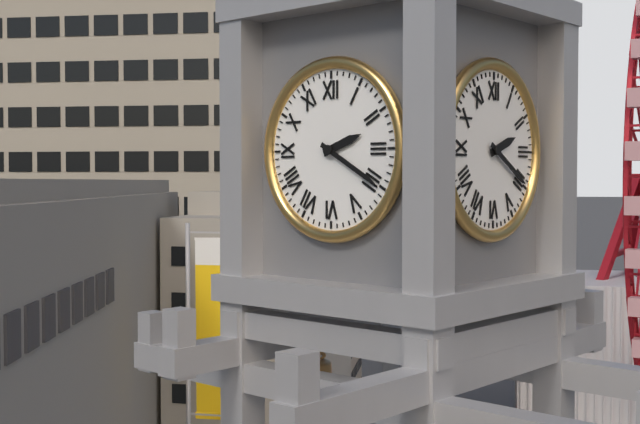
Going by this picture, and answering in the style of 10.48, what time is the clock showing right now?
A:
2.20
